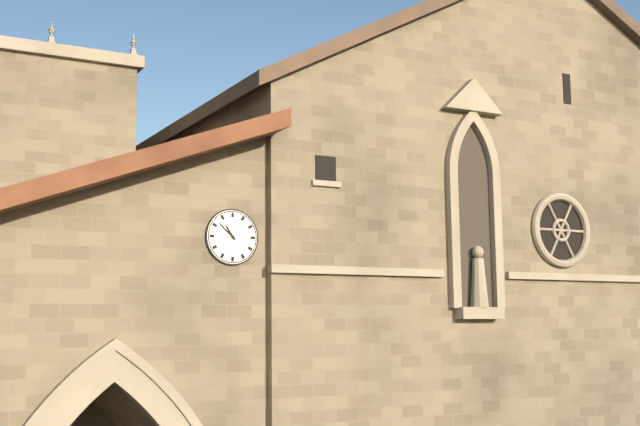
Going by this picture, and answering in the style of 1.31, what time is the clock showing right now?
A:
10.52
